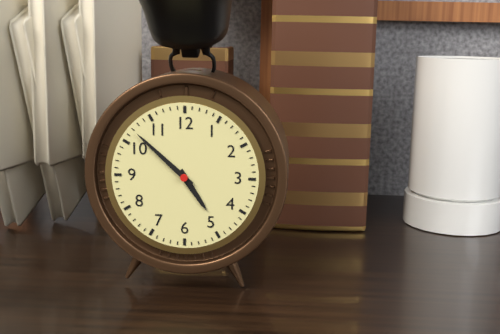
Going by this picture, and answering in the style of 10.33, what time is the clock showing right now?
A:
4.52
